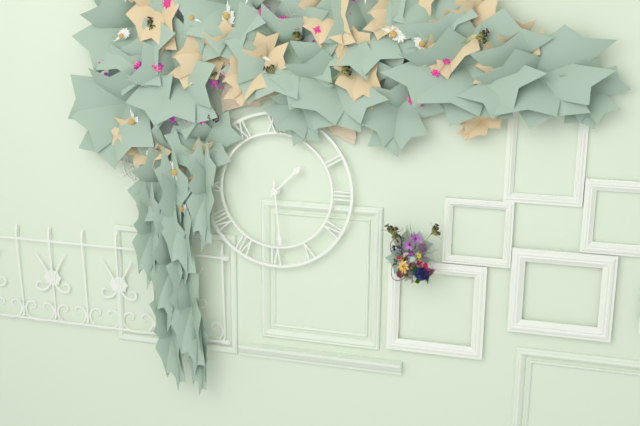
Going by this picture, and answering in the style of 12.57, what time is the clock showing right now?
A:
1.29
